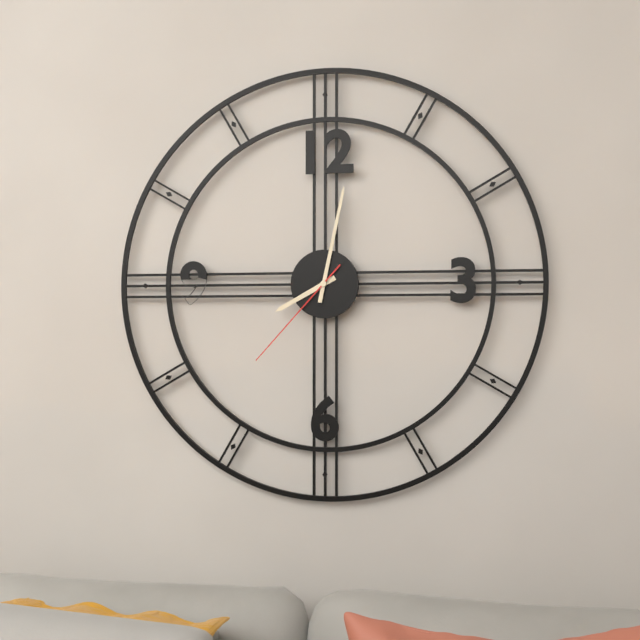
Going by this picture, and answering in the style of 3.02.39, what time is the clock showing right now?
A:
8.02.37
